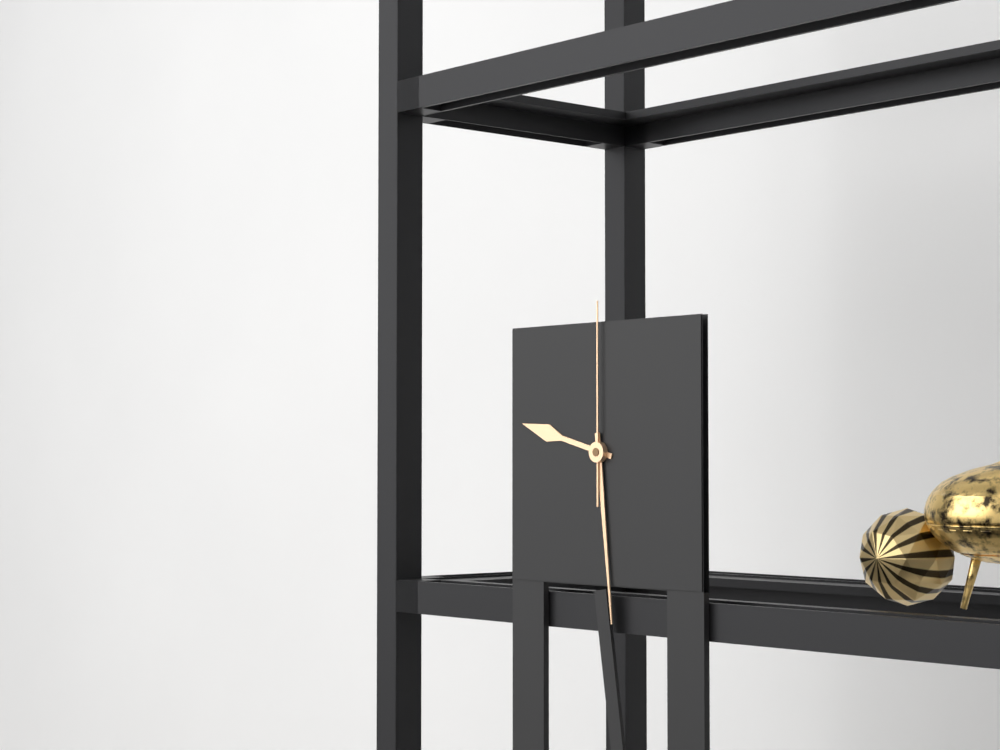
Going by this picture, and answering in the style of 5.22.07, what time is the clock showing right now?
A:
9.29.00
